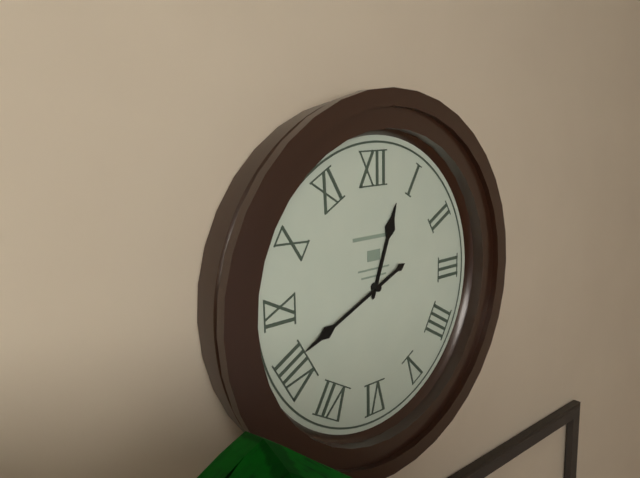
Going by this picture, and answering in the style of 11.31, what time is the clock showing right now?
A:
12.41
